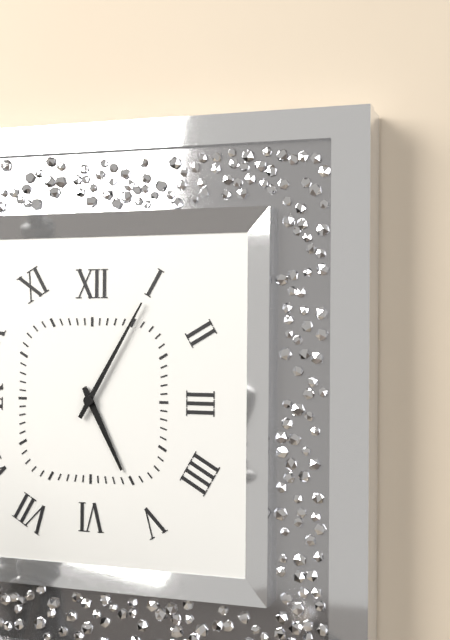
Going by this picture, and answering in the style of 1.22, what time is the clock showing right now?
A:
5.05
